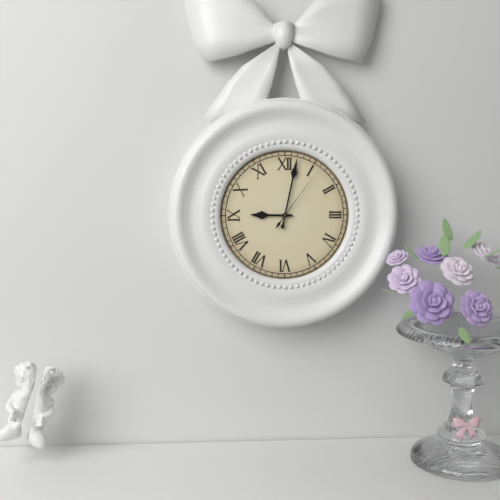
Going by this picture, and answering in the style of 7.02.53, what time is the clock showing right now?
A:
9.02.06
